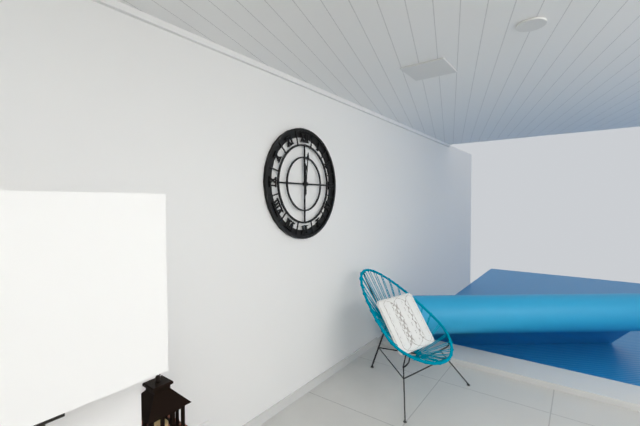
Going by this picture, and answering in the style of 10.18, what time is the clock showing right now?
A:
12.01
